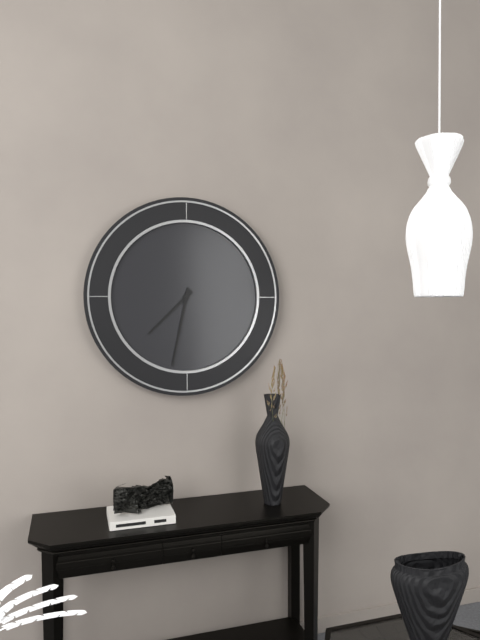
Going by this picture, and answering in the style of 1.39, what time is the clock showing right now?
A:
7.32
